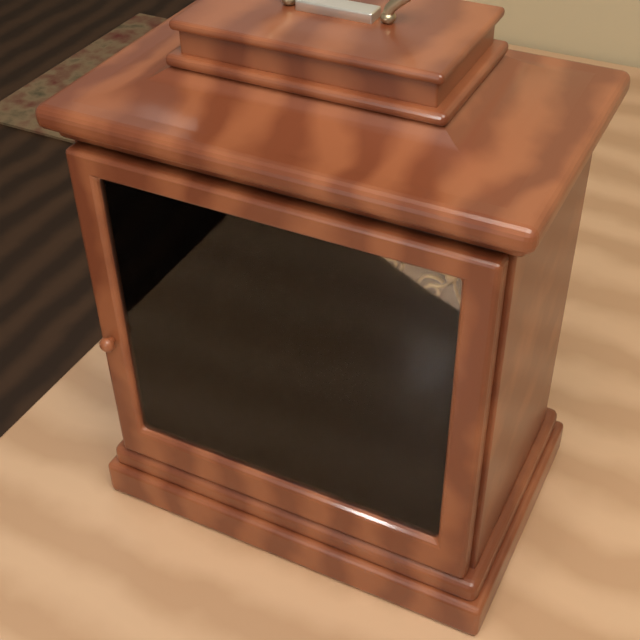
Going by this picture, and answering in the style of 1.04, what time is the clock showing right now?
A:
8.29
